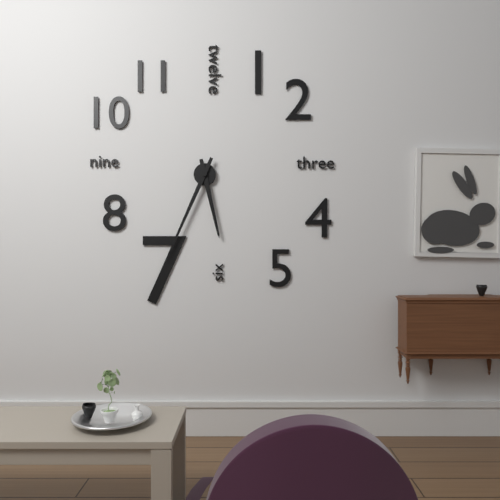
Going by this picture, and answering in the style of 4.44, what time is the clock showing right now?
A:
5.34
